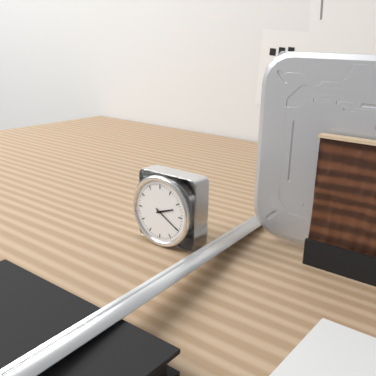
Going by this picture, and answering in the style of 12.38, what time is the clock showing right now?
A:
2.20
